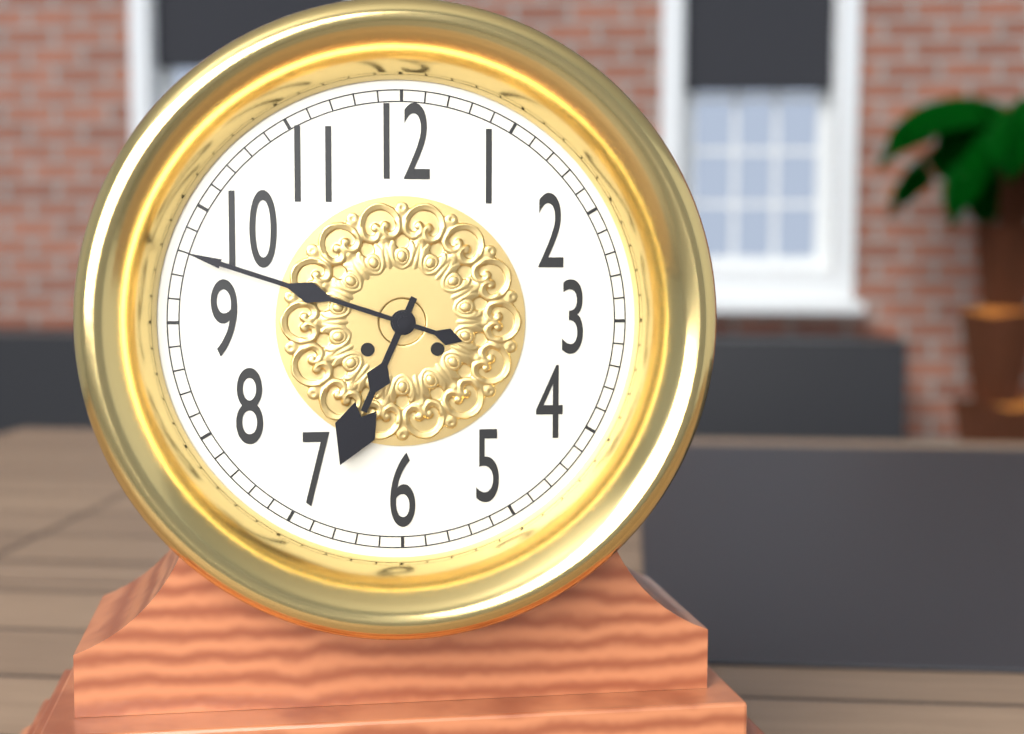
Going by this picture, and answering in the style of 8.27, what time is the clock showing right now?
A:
6.48
